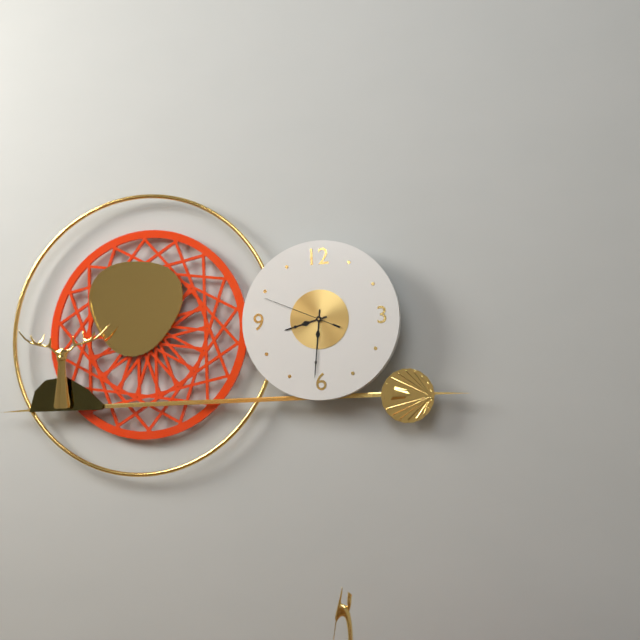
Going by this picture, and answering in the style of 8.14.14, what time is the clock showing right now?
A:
8.31.49
